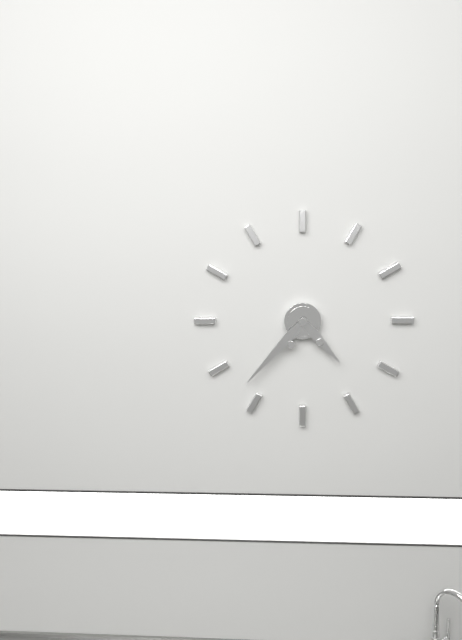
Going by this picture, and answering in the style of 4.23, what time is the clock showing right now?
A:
4.37
